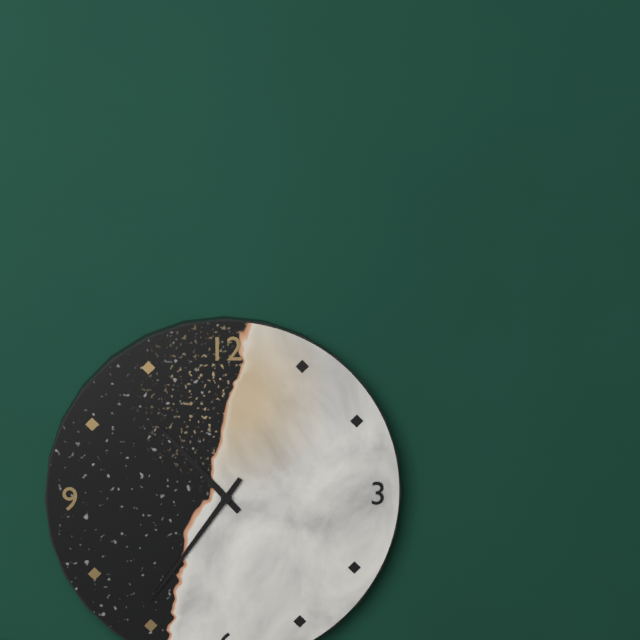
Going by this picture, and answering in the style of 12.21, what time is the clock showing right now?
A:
10.36
